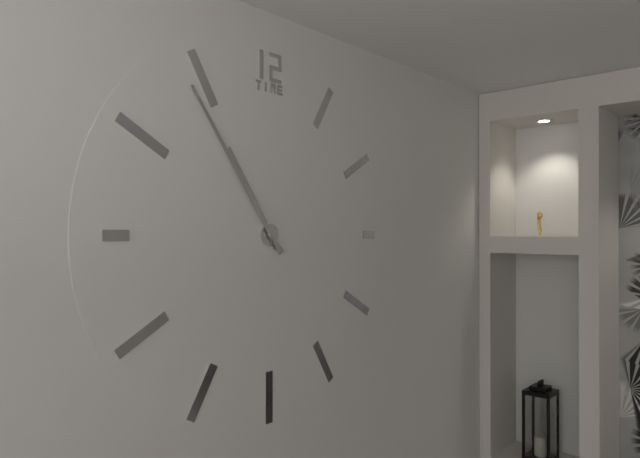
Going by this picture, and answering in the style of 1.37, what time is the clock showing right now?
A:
10.54
